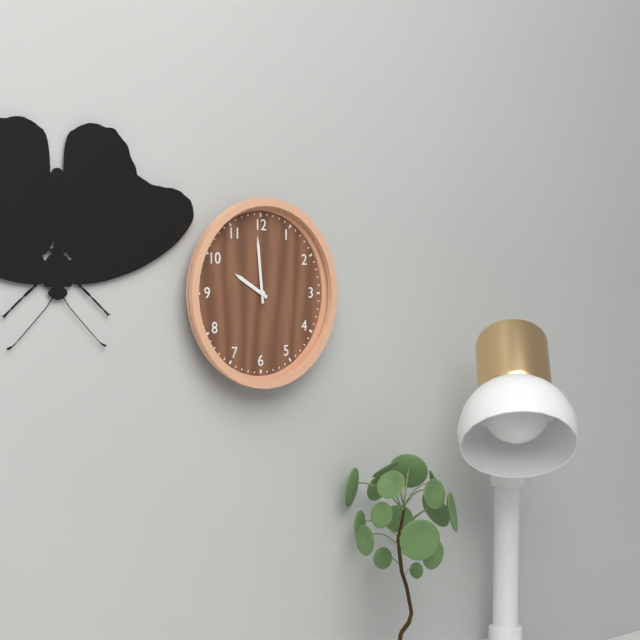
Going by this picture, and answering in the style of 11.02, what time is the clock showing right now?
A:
9.59
